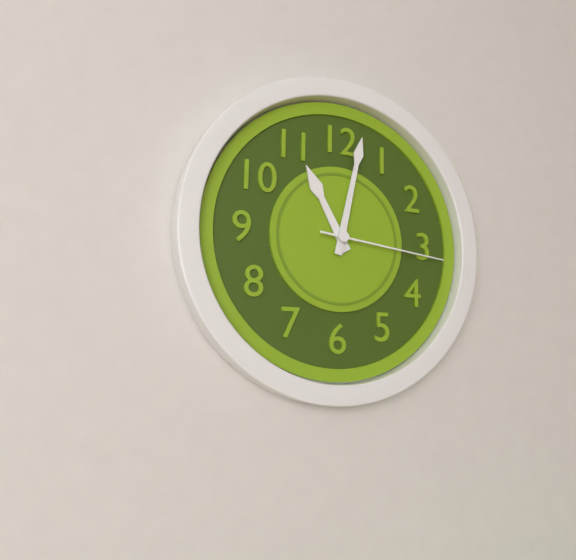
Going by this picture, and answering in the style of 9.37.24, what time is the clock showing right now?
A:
11.02.16
